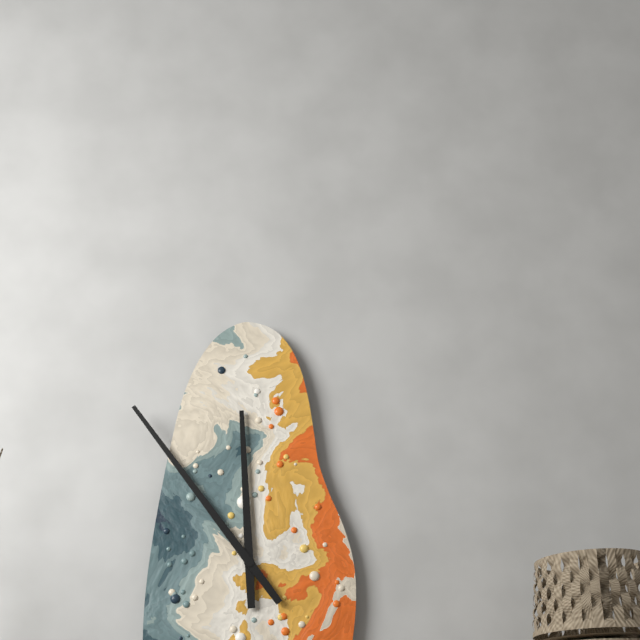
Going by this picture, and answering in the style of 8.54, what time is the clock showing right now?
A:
11.54
